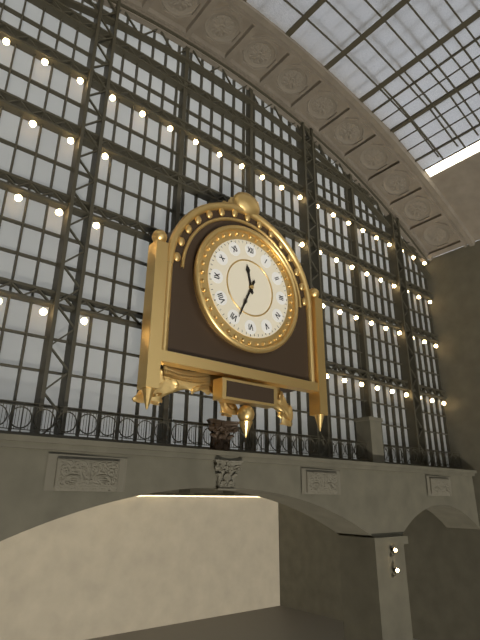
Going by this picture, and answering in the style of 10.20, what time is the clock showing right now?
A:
11.34
